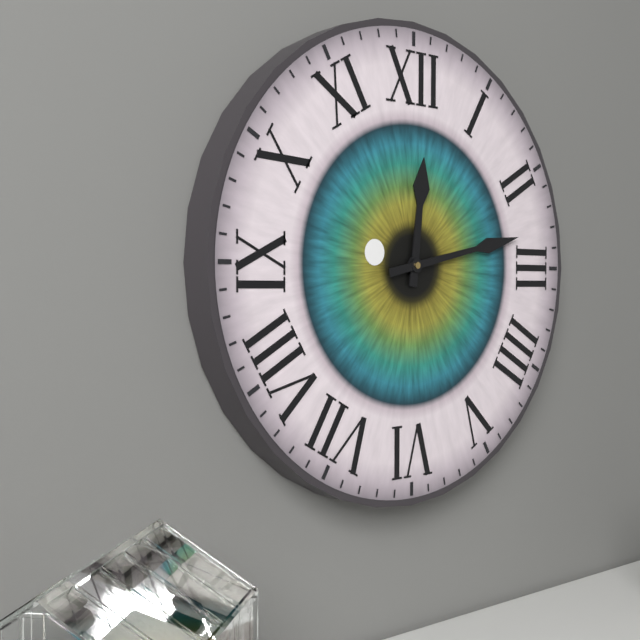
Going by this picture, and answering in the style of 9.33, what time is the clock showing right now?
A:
12.13
